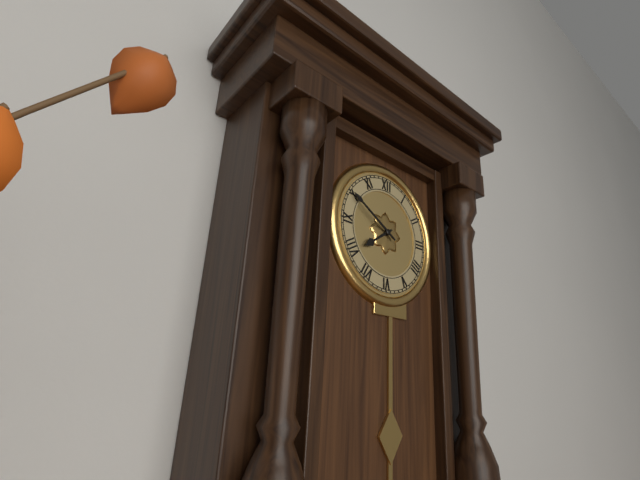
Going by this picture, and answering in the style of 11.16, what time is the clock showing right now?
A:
7.50
